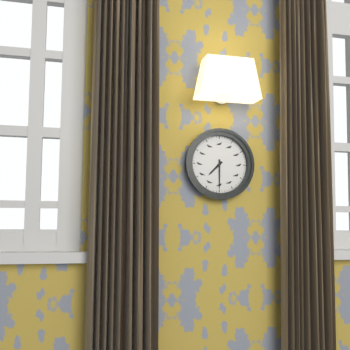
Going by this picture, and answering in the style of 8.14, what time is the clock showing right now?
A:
7.30
